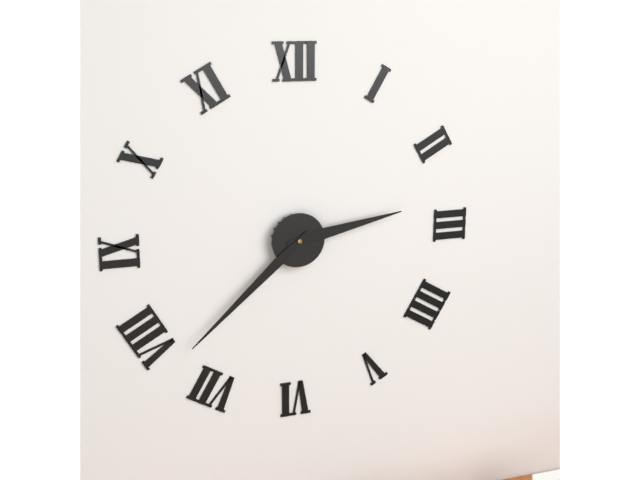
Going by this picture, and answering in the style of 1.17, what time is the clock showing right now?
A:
2.38
